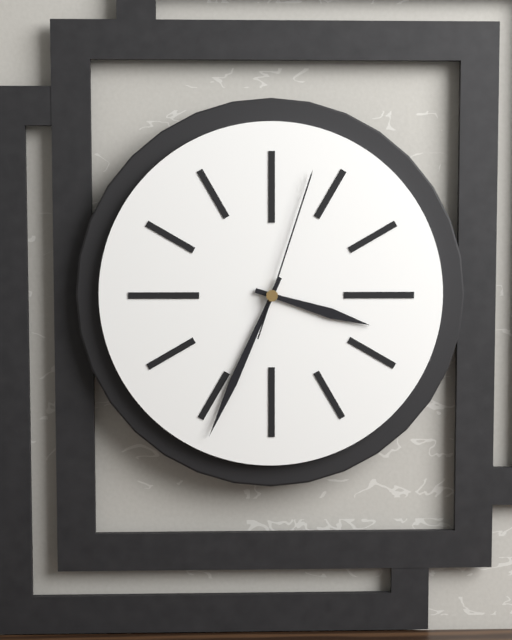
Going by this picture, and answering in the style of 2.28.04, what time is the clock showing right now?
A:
3.34.03
